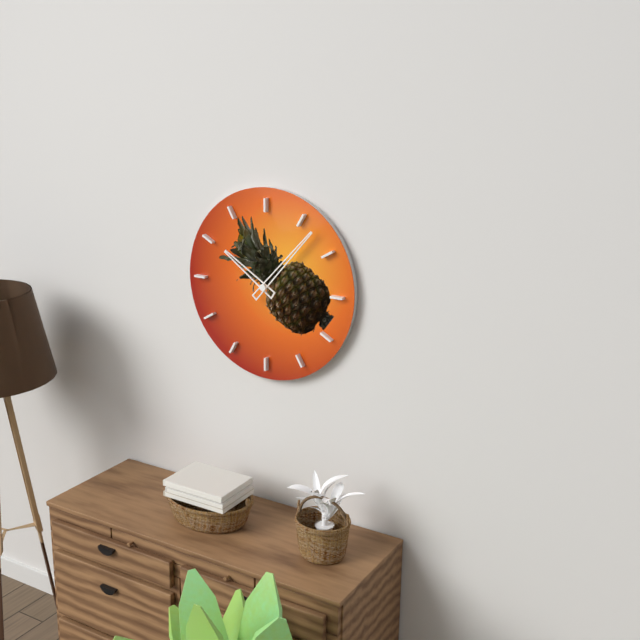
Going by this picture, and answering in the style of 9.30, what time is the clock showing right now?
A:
10.07
